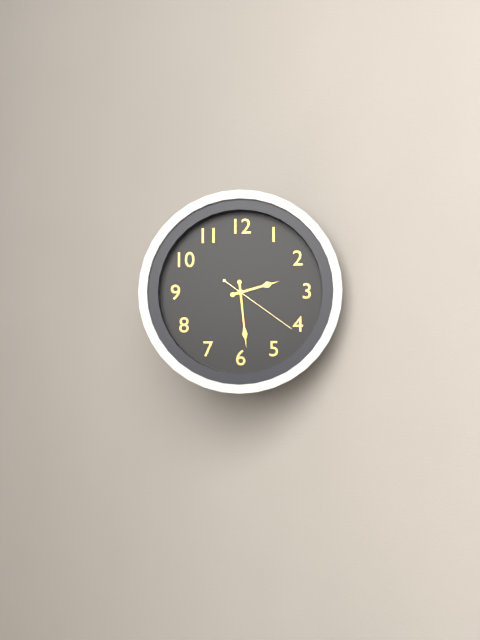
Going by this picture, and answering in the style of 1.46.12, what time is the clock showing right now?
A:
2.29.21
